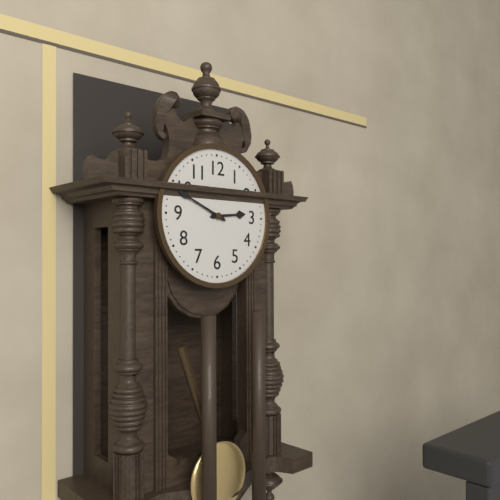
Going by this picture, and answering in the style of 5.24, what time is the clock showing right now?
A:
2.49
